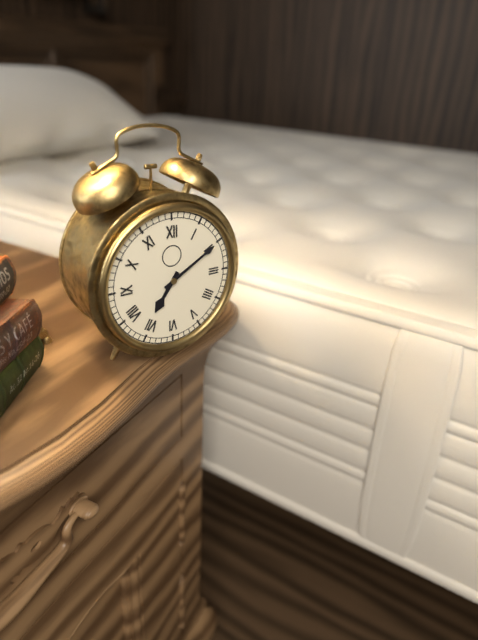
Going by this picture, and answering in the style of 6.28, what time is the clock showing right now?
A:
7.10
